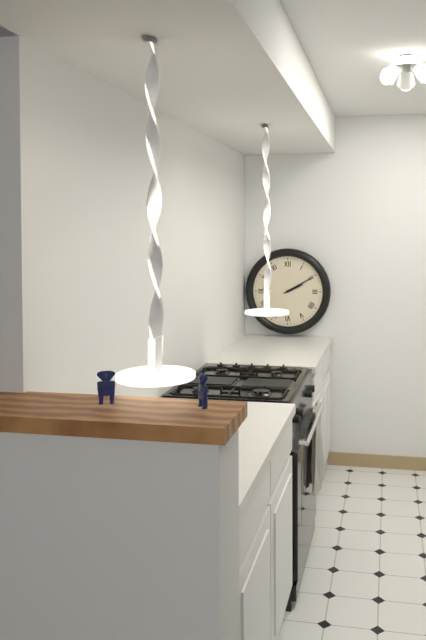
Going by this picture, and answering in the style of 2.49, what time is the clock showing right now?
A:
2.10
